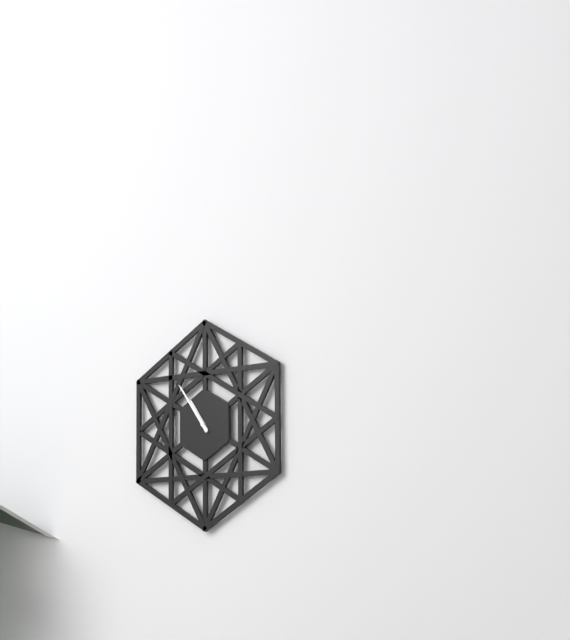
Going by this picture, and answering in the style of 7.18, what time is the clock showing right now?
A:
10.54
